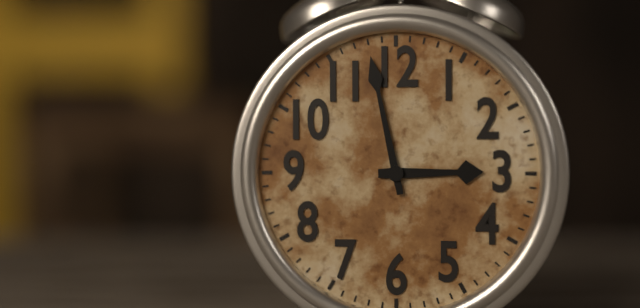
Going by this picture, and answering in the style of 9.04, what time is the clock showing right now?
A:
2.58
